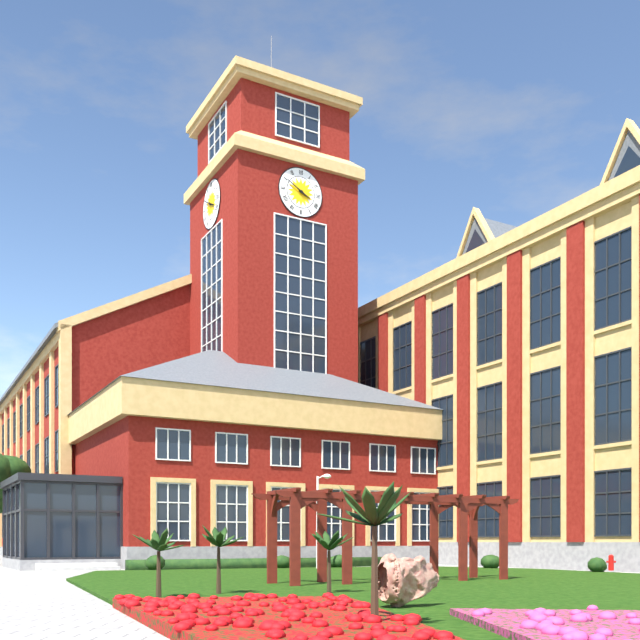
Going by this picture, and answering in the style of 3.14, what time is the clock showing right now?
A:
3.50
